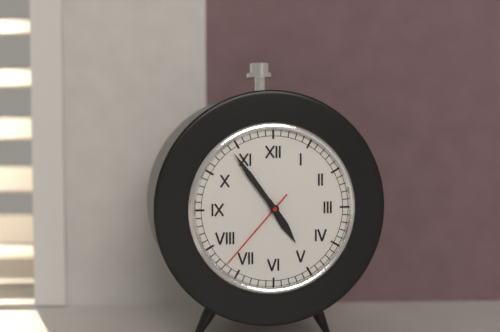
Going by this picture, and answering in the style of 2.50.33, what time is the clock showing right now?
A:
4.54.37
